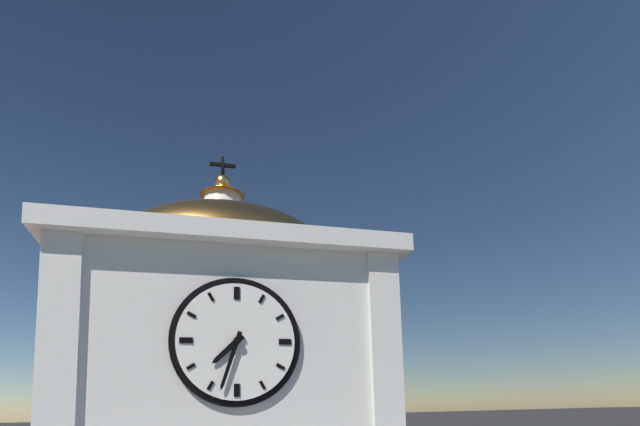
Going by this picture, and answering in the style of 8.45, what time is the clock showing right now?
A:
7.33
